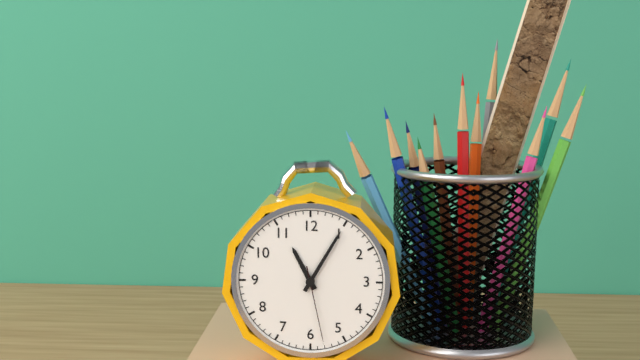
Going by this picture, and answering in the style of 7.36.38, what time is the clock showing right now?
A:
11.05.28
